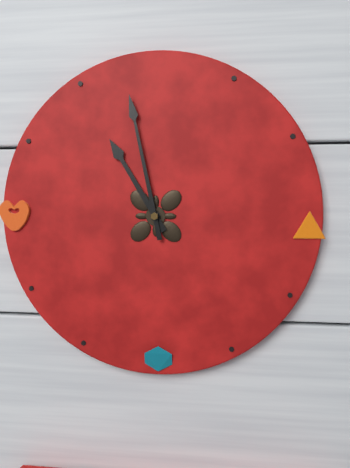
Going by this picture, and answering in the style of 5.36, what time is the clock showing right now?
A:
10.58
